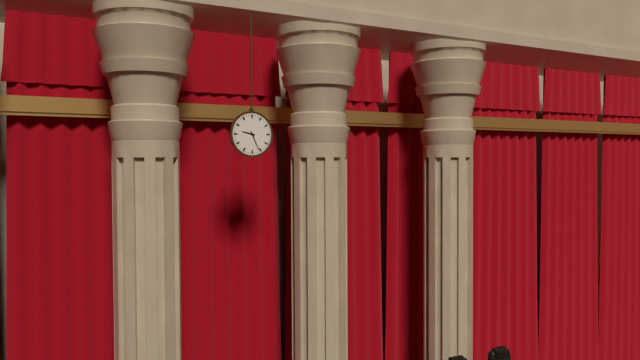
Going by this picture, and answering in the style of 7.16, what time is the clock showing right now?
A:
9.26
